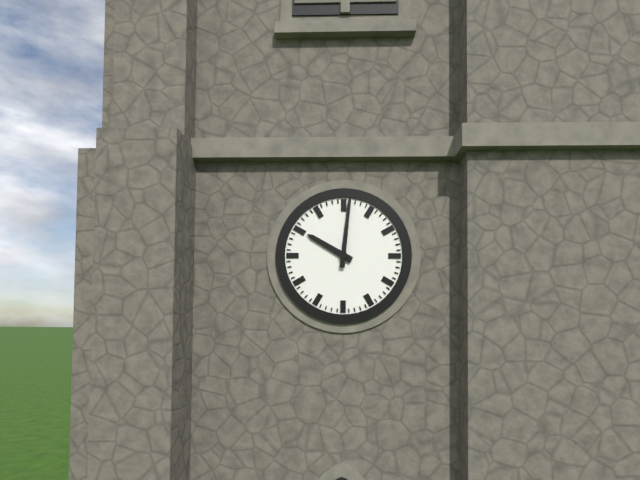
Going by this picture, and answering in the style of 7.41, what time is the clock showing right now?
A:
10.01
